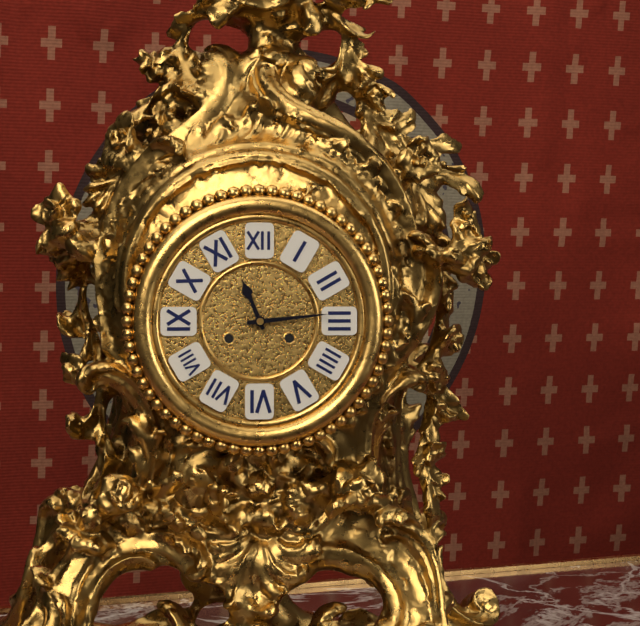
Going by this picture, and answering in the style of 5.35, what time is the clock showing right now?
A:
11.14
